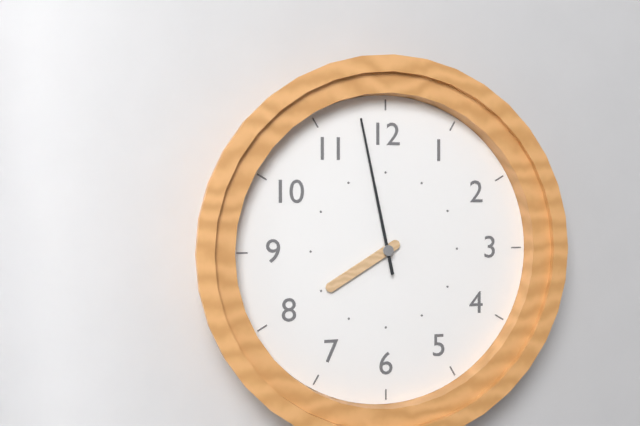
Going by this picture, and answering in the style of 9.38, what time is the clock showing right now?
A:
7.58
